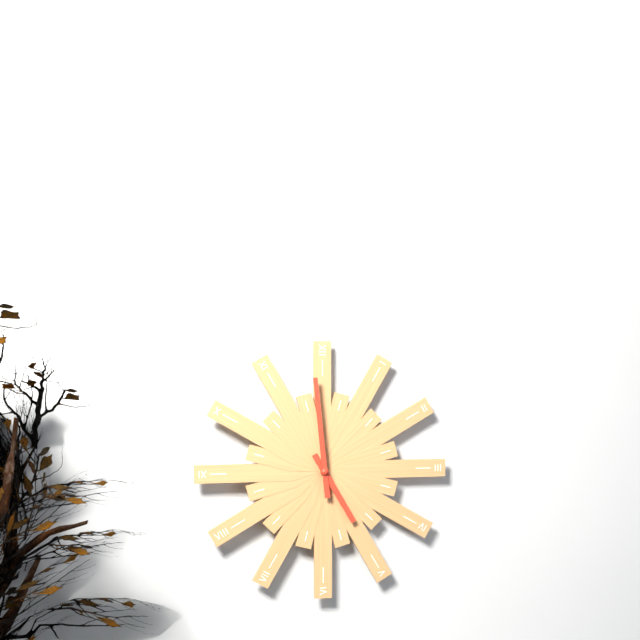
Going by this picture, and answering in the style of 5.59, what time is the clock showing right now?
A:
4.59
